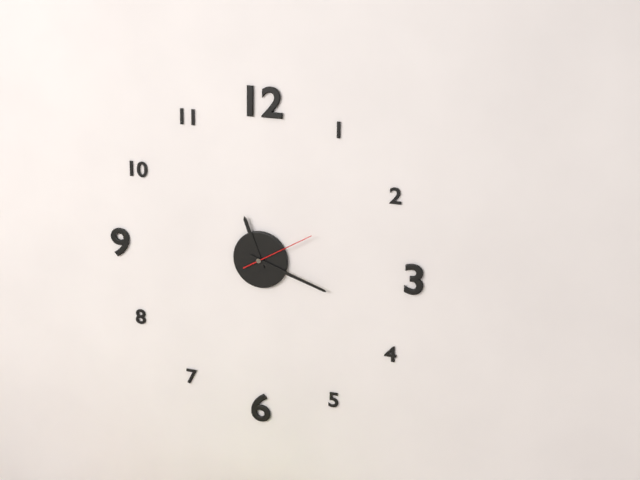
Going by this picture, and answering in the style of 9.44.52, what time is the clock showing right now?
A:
11.18.10
